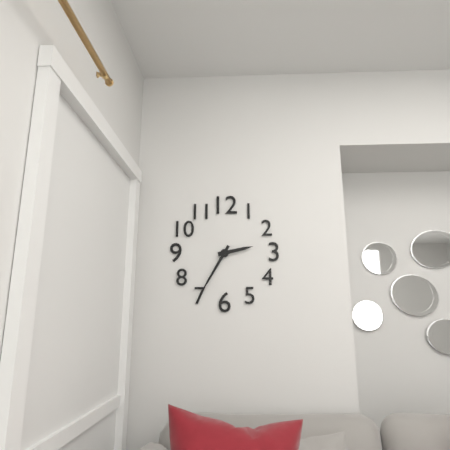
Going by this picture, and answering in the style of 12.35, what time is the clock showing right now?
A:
2.35
